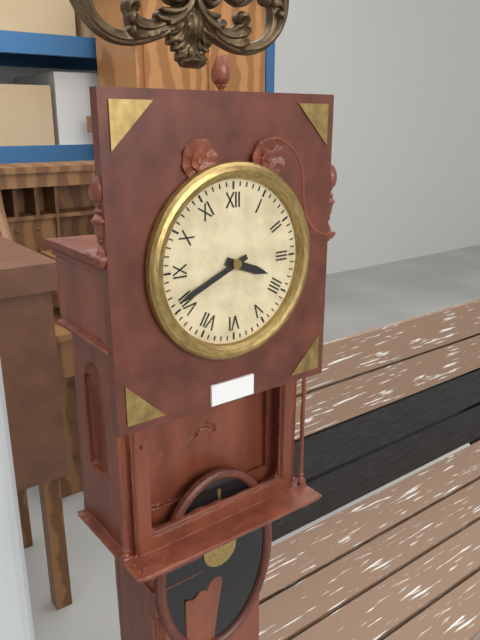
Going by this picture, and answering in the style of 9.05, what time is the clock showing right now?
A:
3.41
